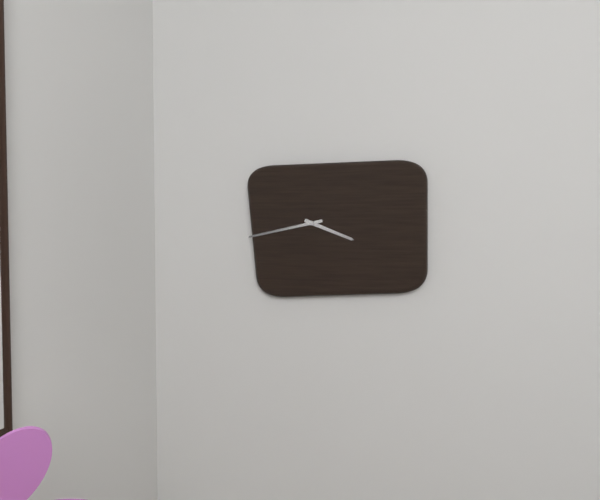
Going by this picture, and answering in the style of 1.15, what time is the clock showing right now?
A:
3.43
